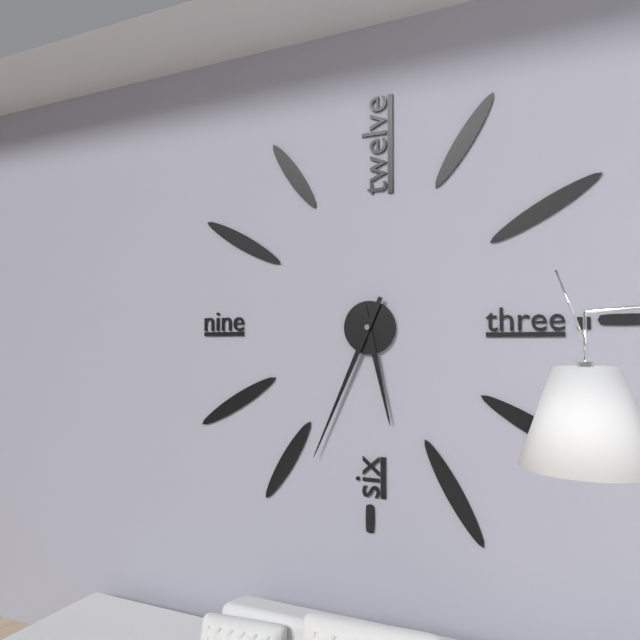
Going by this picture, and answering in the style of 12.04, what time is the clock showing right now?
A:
5.34
